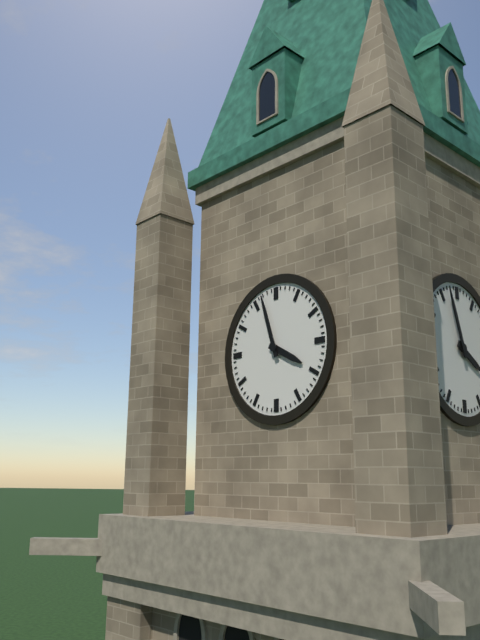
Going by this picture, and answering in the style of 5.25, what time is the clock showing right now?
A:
3.57
